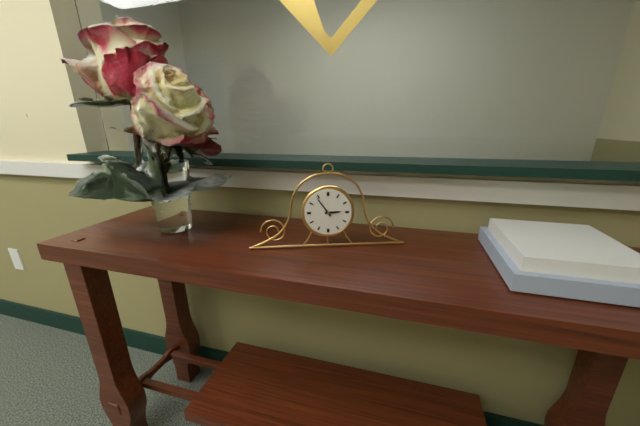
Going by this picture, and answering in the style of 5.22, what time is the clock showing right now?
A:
2.54
